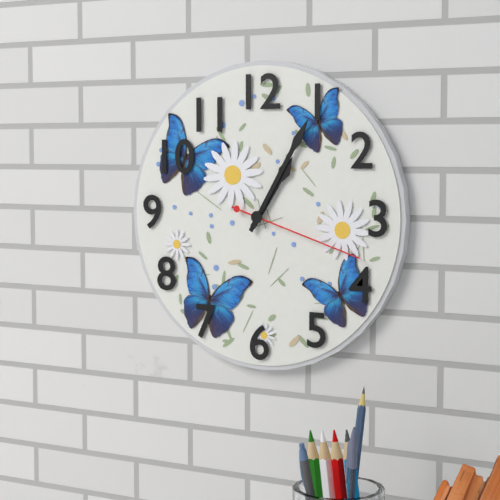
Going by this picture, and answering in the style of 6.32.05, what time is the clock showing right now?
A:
1.05.18
